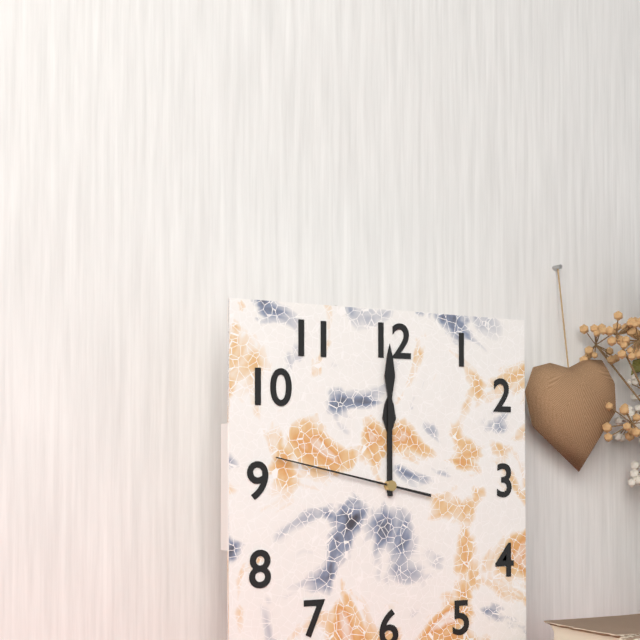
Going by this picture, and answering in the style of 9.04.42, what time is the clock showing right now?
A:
12.00.47
